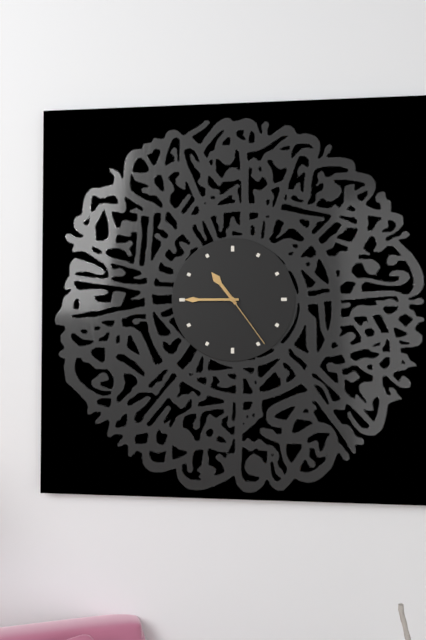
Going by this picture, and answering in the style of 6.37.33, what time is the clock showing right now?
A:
10.45.24
